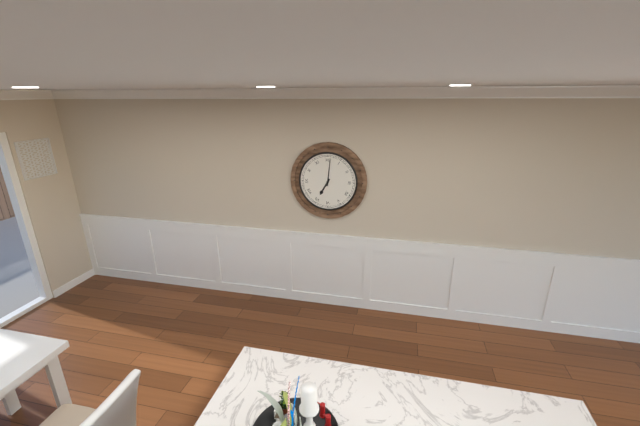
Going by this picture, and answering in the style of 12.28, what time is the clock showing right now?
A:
7.01
